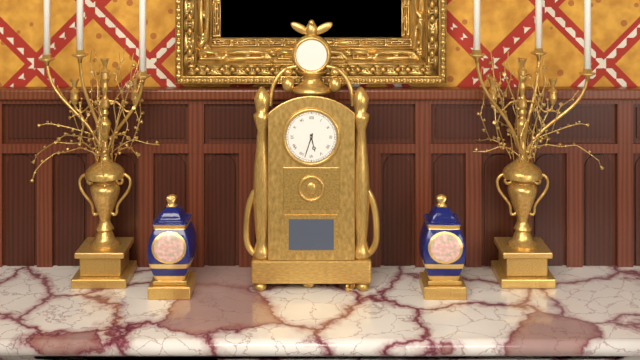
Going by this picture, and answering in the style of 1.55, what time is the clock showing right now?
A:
5.33
